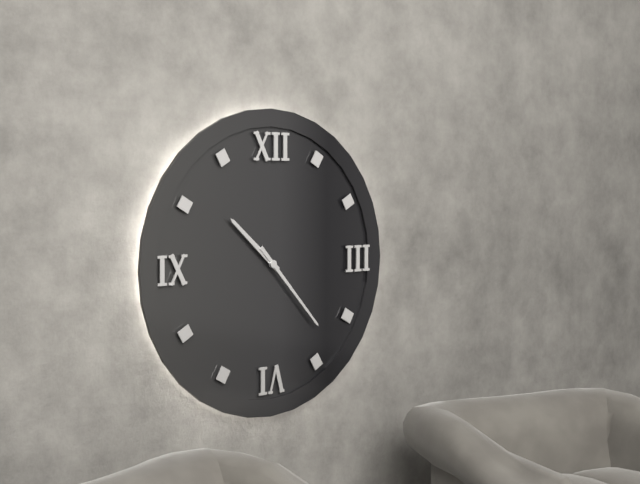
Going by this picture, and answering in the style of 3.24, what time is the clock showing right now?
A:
10.23
